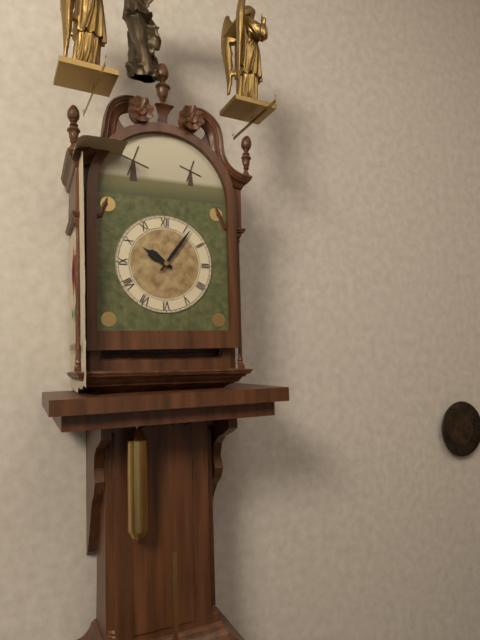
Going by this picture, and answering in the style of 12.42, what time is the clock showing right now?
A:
10.06
